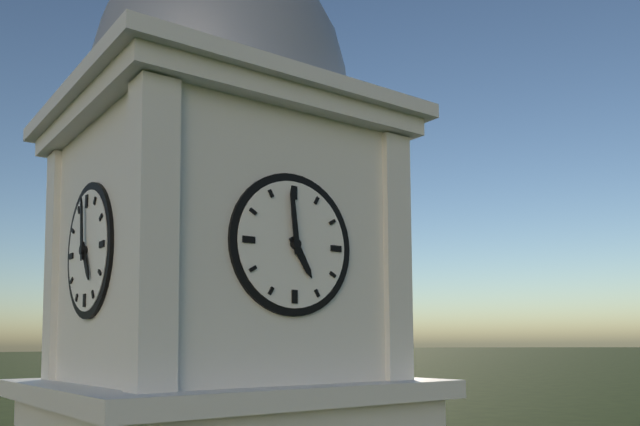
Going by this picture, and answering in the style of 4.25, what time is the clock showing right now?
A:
4.59
